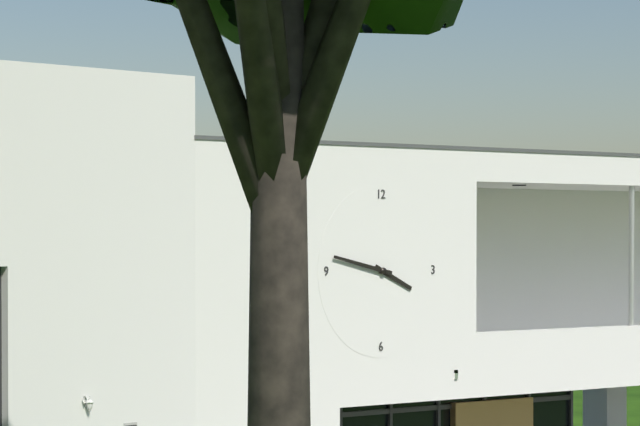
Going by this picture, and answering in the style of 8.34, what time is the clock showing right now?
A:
3.47
